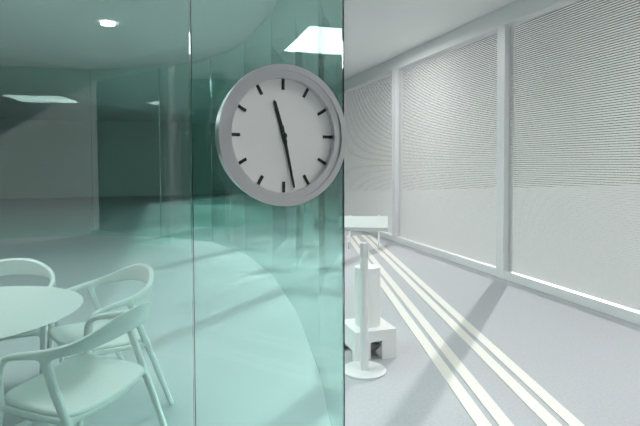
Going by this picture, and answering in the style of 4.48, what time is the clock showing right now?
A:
11.28
